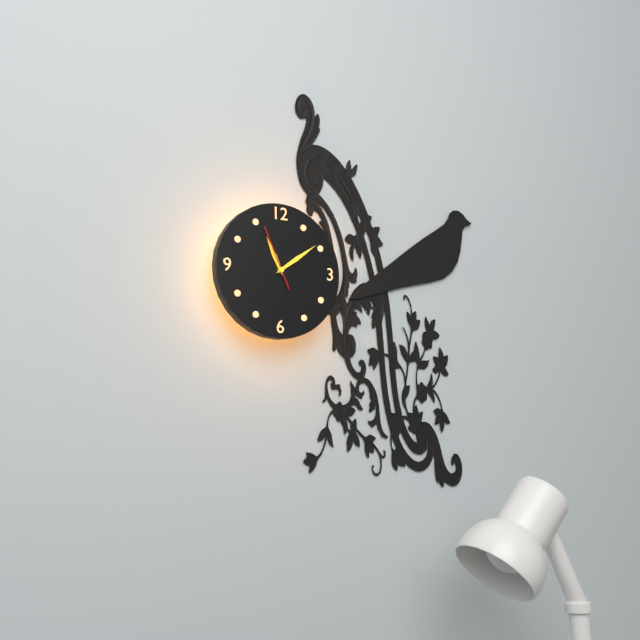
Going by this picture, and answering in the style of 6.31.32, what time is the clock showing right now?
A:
11.09.56
